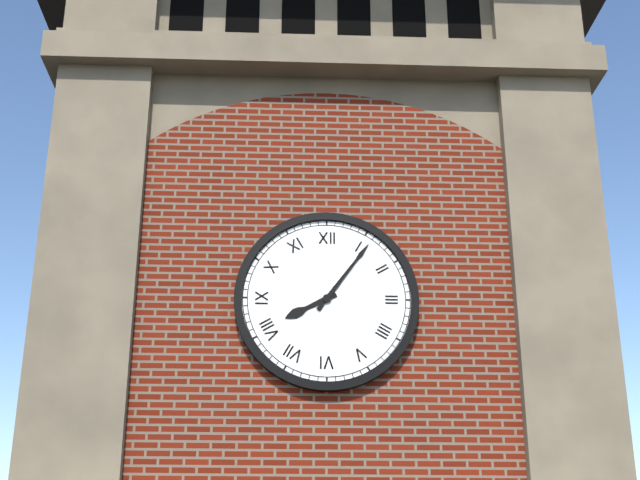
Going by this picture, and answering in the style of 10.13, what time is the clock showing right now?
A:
8.06
